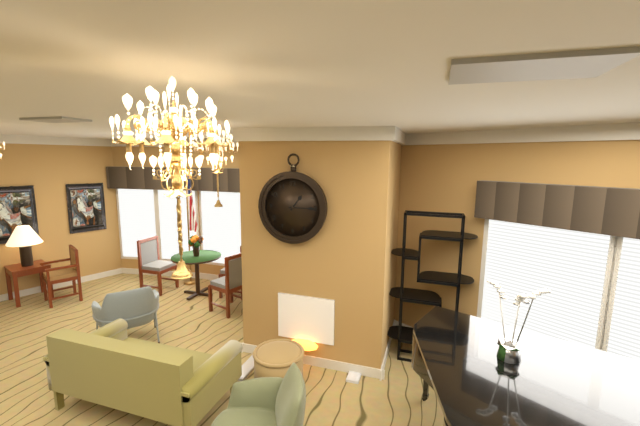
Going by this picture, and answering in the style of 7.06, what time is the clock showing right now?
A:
1.15
